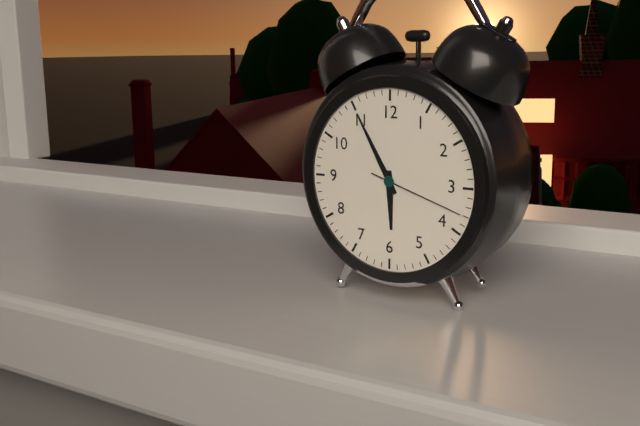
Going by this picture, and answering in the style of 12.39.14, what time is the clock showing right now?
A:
5.55.18
